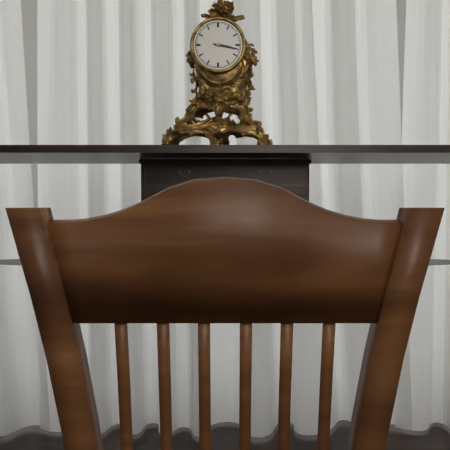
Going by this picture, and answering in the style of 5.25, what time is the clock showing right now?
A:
3.17
